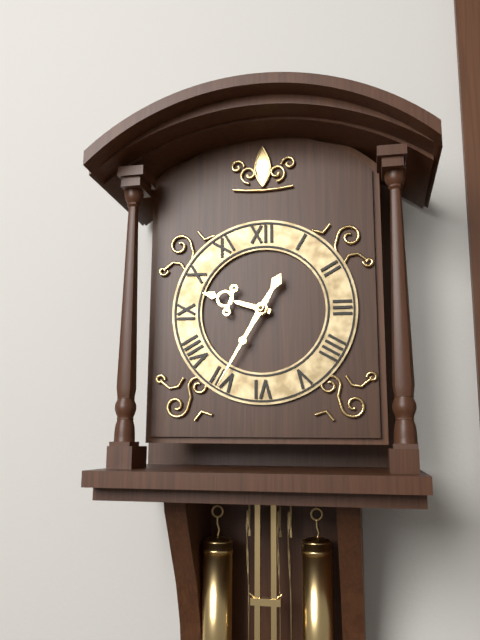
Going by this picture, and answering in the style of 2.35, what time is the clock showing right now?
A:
9.35
